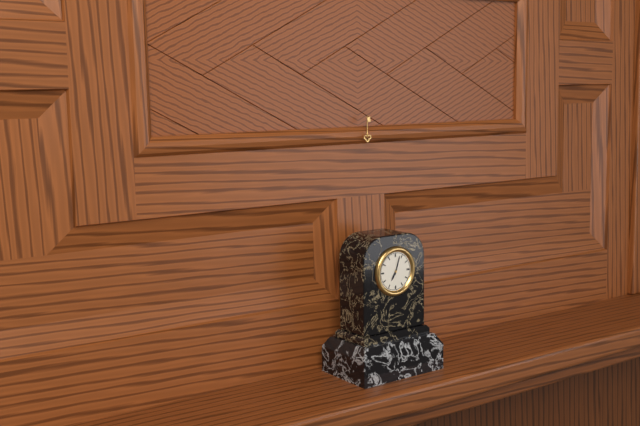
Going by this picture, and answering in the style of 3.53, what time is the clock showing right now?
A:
7.03
